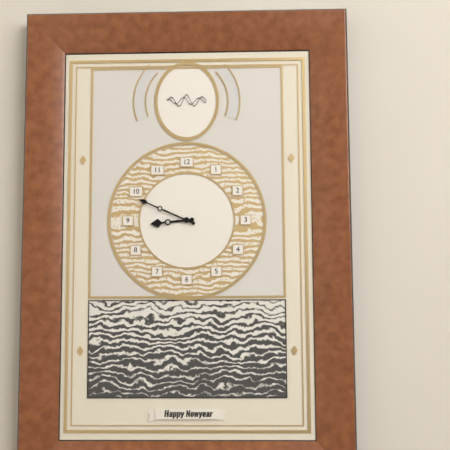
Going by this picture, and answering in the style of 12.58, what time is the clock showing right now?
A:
8.49
